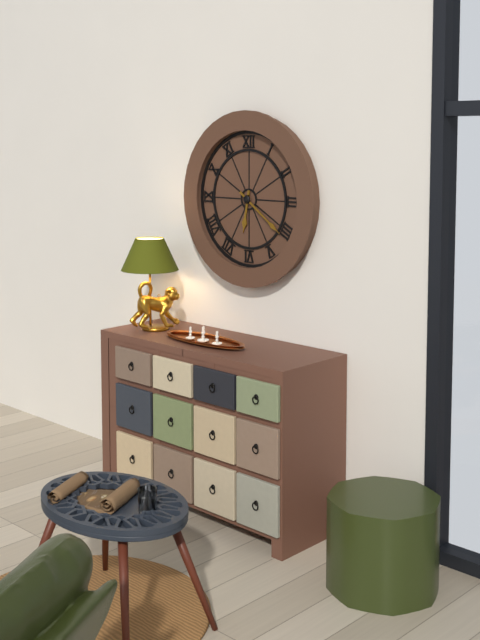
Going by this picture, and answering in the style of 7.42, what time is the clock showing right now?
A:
6.21
